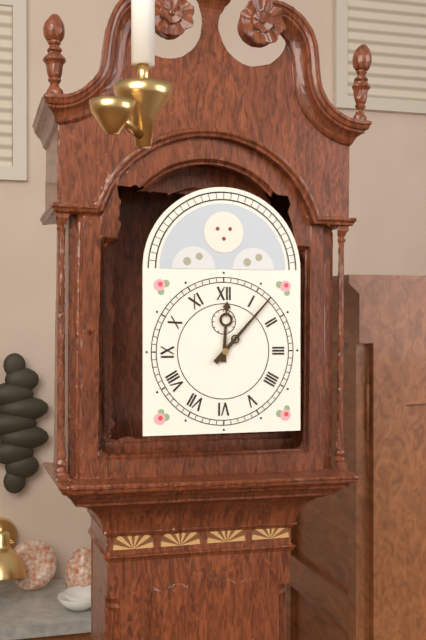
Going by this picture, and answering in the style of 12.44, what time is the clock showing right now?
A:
12.07
